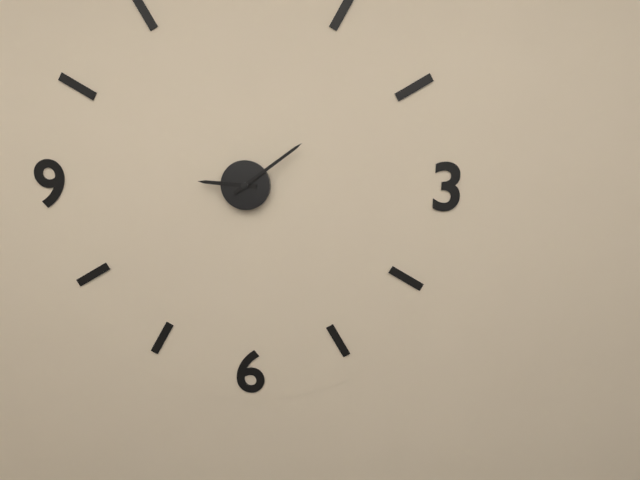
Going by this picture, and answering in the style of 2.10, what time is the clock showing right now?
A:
9.09
